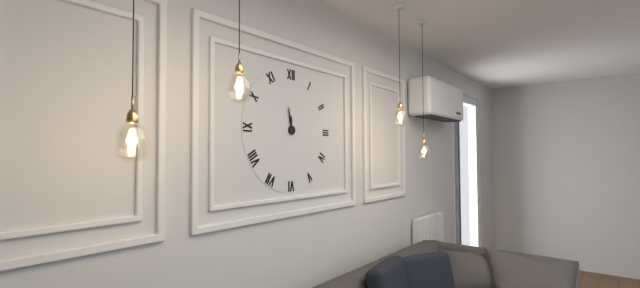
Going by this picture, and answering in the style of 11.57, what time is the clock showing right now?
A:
11.58
